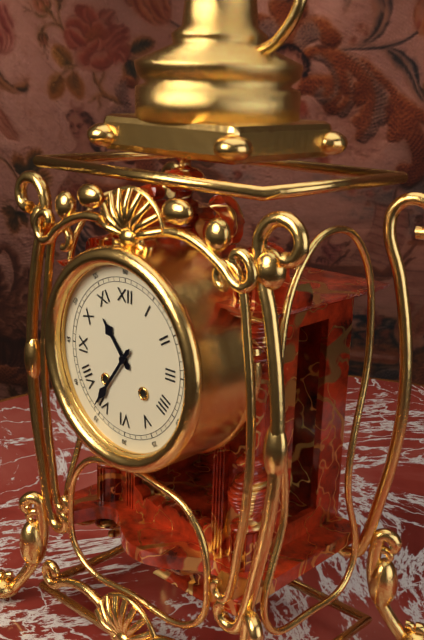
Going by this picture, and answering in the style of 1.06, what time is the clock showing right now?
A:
10.36
